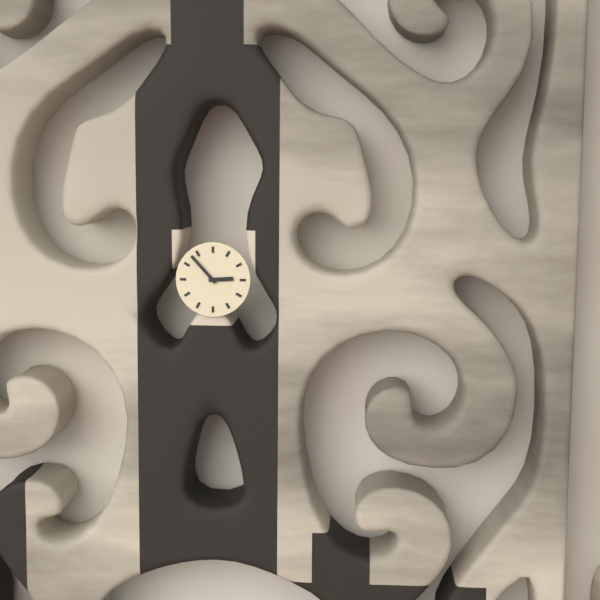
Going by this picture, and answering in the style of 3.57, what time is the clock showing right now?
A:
2.53
